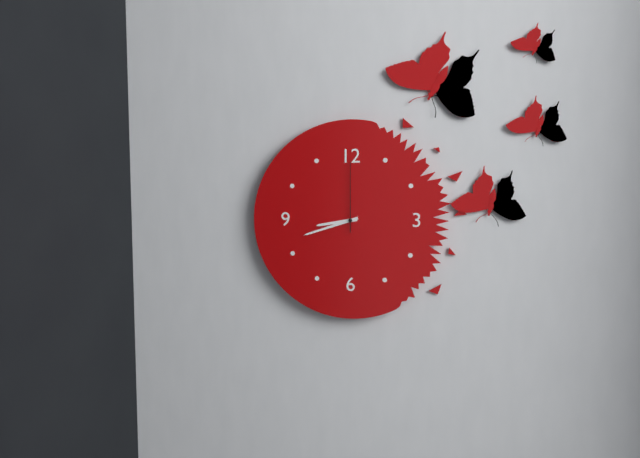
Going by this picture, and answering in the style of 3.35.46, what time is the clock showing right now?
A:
8.42.00
